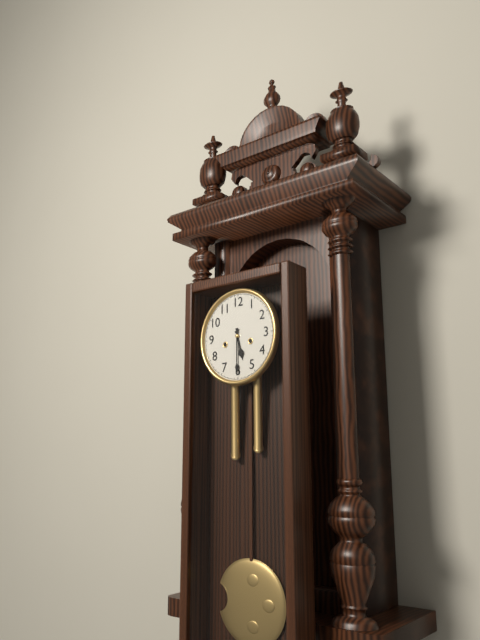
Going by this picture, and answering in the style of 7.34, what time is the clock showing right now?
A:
5.30
